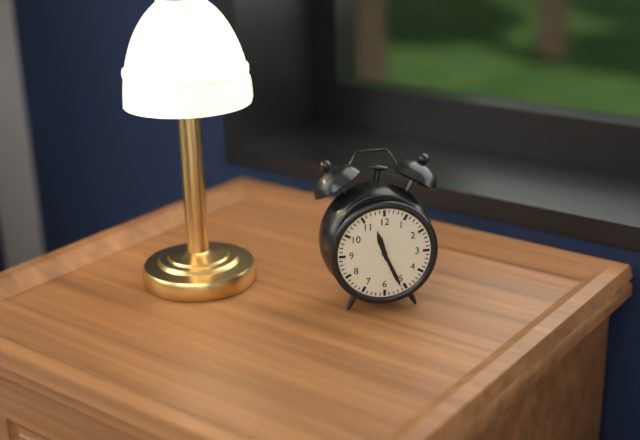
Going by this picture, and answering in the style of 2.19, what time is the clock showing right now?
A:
11.26
